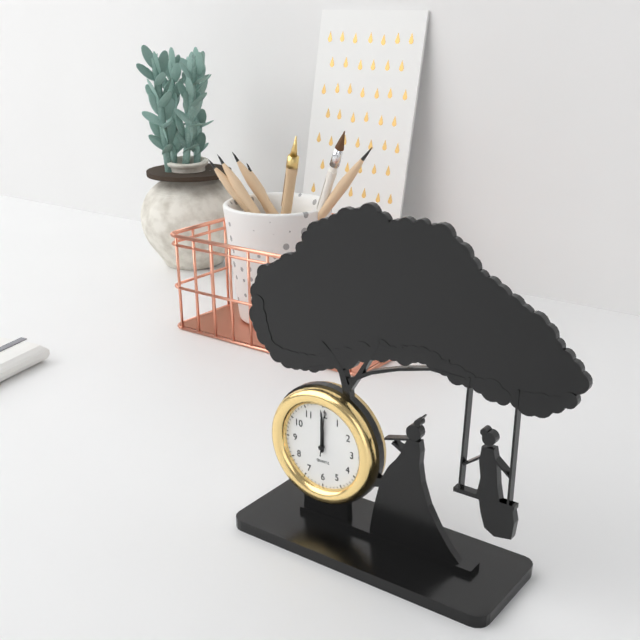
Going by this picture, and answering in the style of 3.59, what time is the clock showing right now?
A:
12.00
